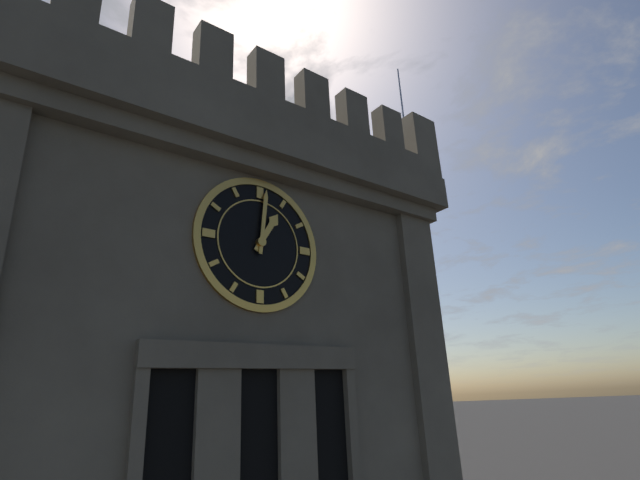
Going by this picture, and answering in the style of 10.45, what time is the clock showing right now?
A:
1.01
